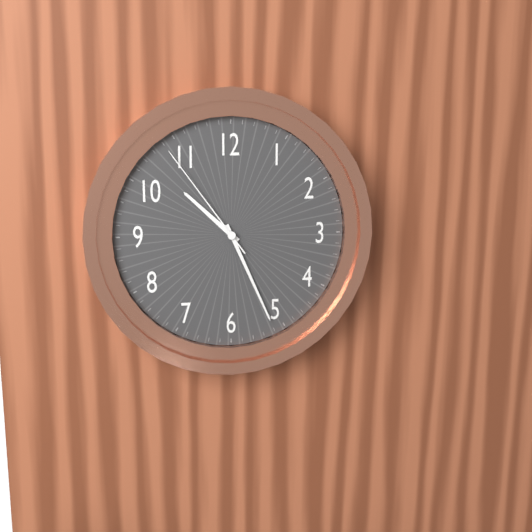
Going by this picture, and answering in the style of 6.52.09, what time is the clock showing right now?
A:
10.26.54
